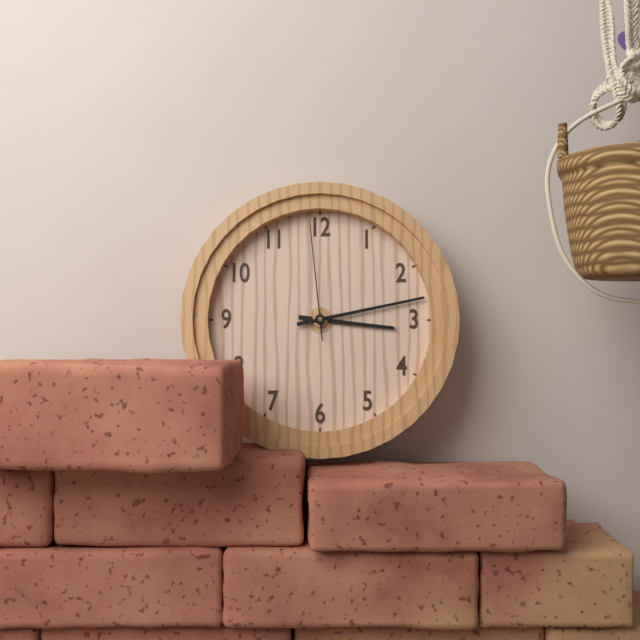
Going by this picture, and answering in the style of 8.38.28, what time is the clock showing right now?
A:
3.13.59
